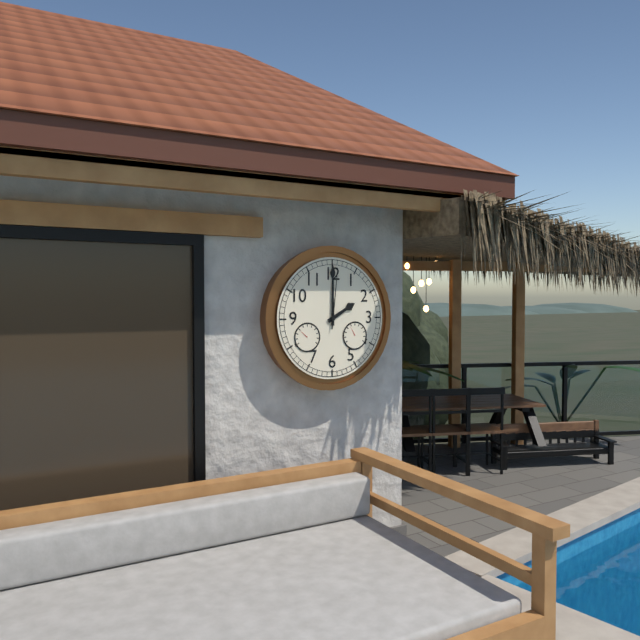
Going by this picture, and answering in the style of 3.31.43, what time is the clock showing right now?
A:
2.00.01
